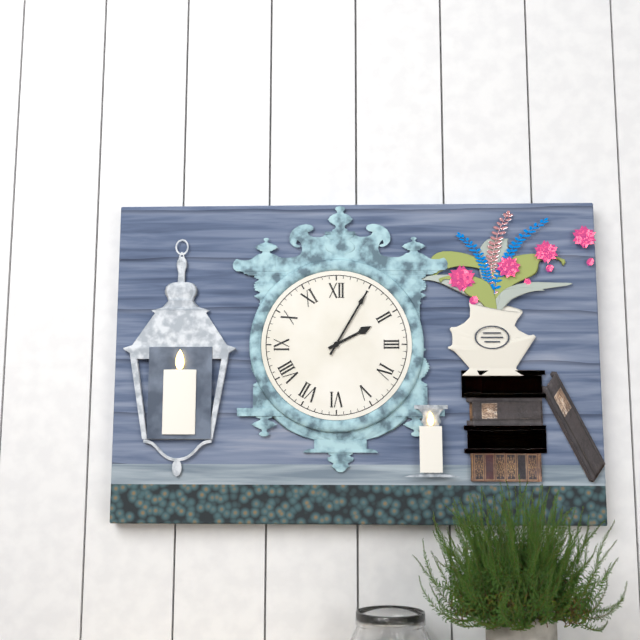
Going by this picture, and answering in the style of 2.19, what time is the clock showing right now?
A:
2.05
